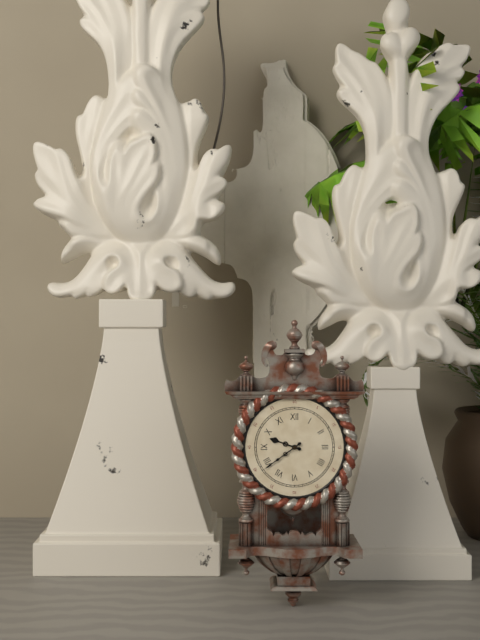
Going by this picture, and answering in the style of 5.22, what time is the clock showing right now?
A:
9.39
